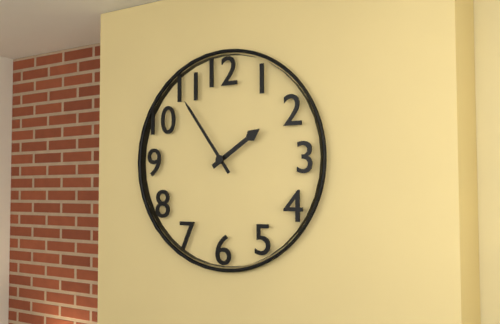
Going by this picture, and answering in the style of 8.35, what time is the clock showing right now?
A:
1.54
